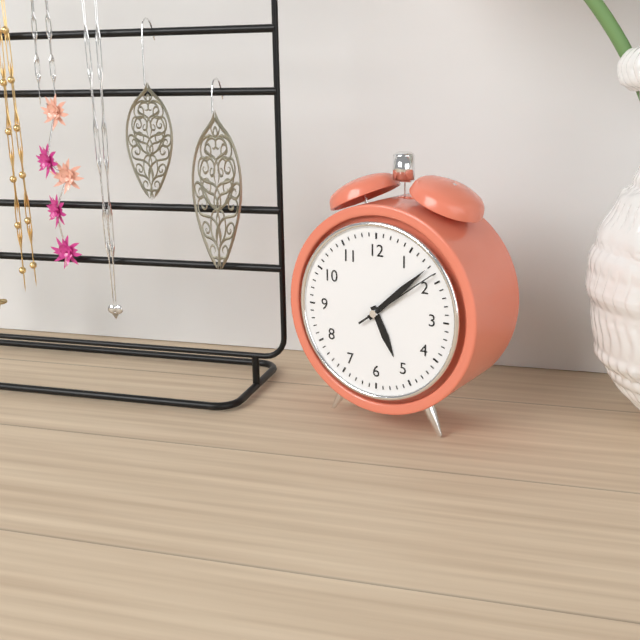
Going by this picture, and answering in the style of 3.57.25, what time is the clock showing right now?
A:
5.08.09
